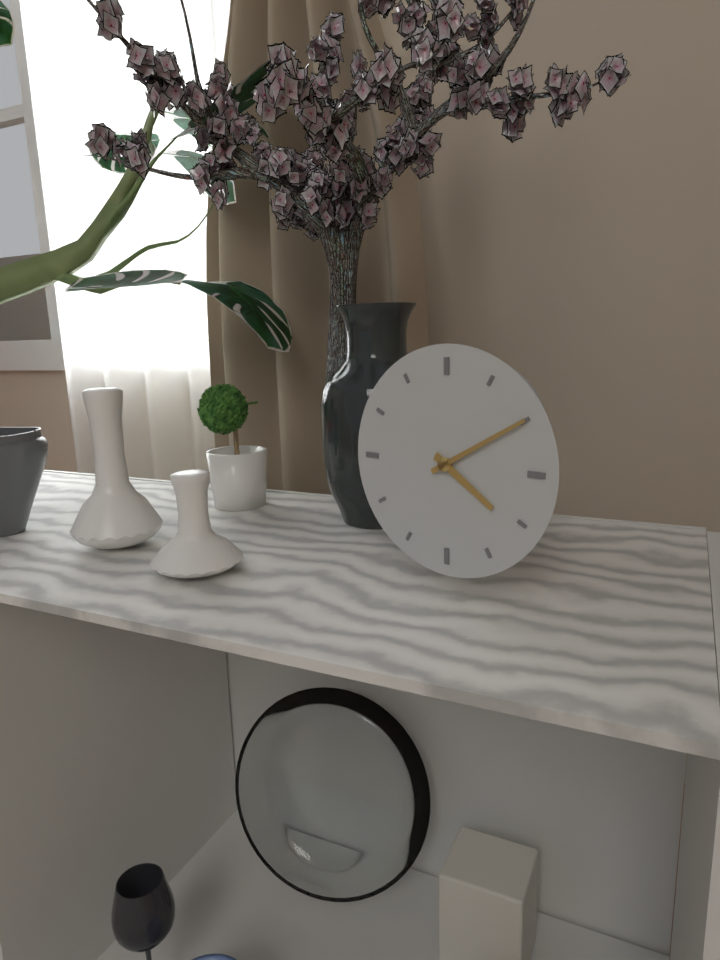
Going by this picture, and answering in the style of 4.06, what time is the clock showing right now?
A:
4.10
